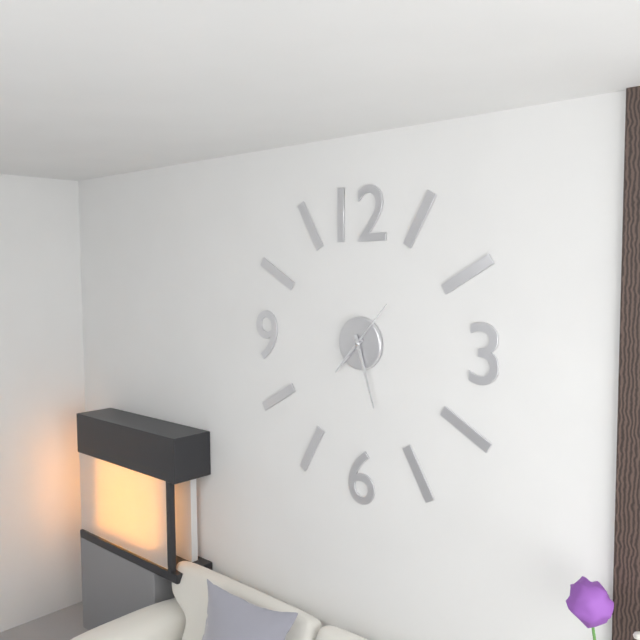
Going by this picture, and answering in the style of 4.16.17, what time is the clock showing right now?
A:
7.27.07
